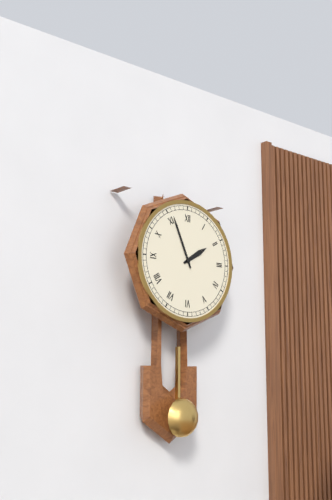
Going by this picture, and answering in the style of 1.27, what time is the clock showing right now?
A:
1.56
